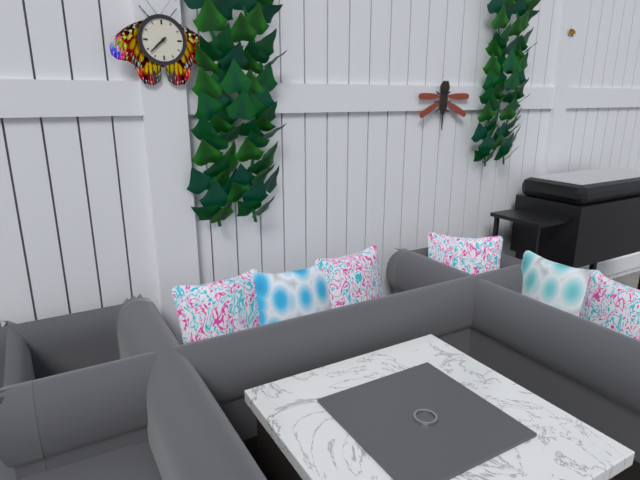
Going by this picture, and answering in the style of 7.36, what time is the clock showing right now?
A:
7.38
